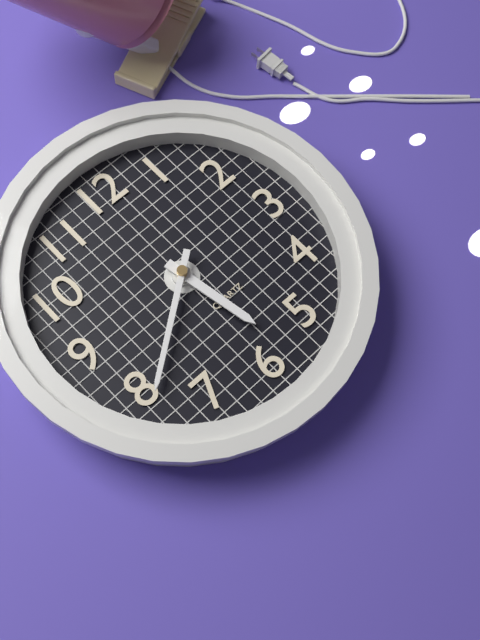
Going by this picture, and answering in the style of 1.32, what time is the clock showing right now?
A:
5.39
